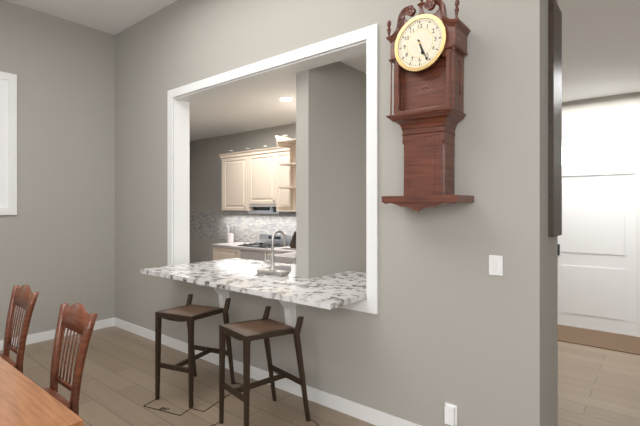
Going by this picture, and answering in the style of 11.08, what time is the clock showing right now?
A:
5.26
